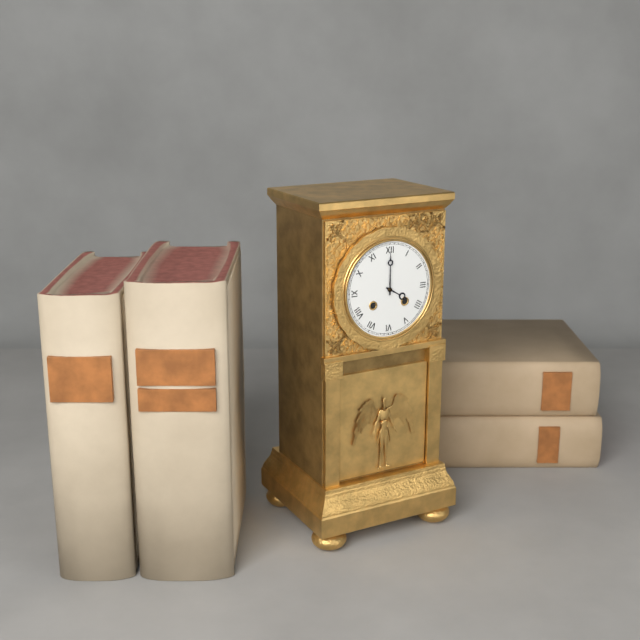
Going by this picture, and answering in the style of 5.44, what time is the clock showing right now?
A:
4.00
